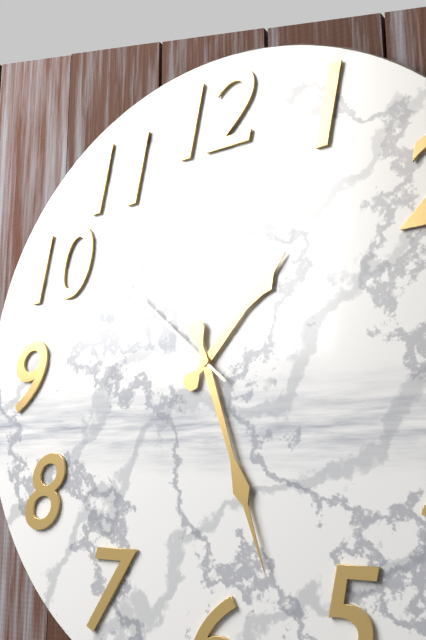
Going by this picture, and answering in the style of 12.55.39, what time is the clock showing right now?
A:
1.27.52
